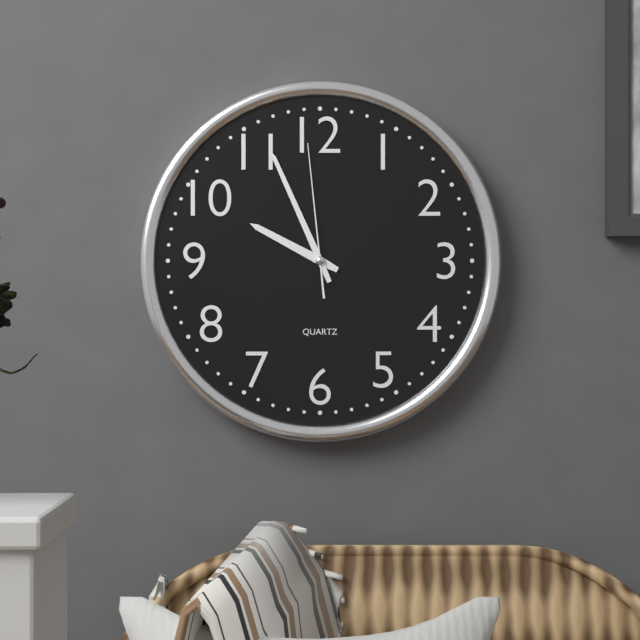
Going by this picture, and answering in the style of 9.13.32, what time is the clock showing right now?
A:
9.56.59
